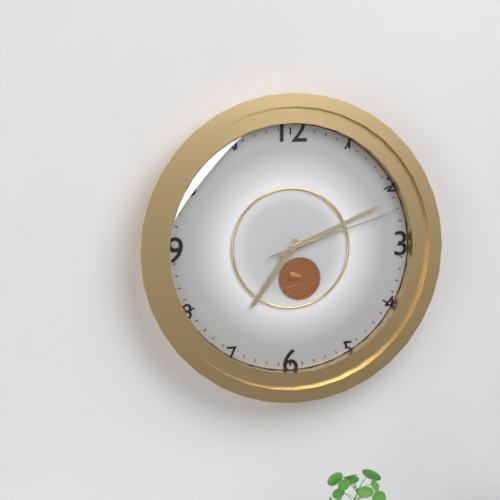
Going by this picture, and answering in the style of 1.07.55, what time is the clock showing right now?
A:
7.11.12
